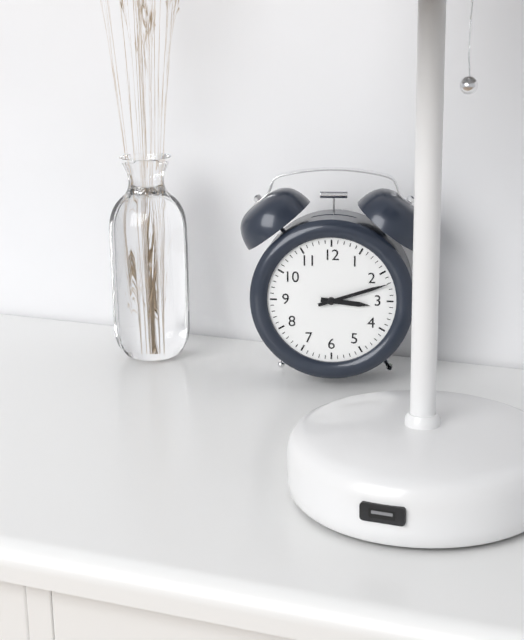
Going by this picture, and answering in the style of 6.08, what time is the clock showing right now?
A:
3.12
